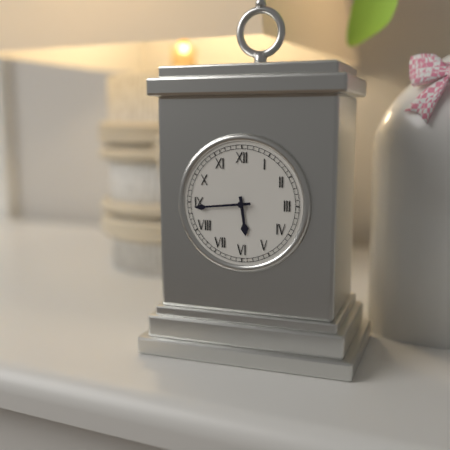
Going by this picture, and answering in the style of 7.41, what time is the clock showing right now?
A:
5.44
